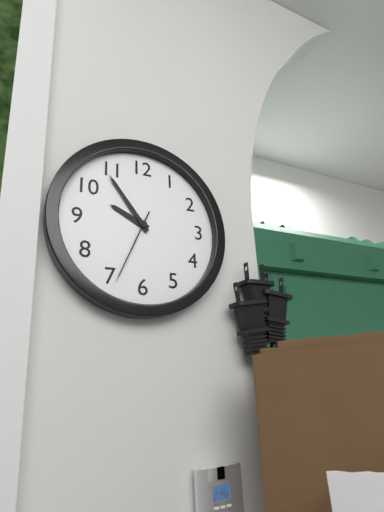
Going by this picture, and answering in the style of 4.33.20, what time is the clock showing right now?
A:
9.54.34
